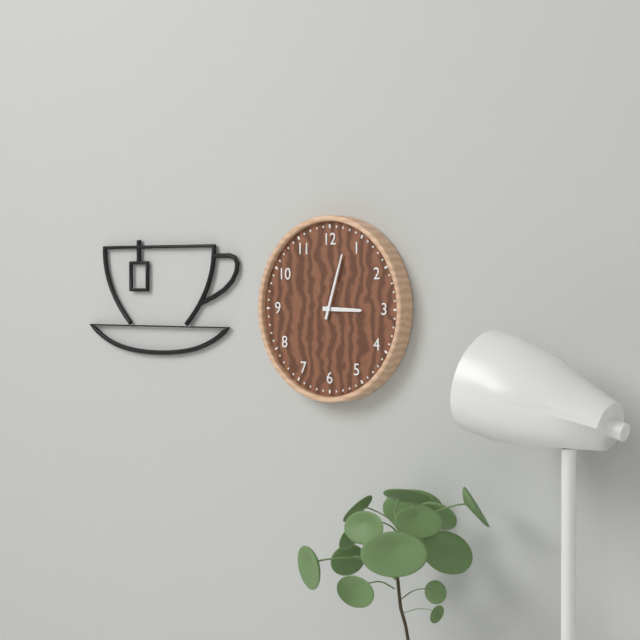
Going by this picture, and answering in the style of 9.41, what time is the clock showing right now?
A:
3.03
